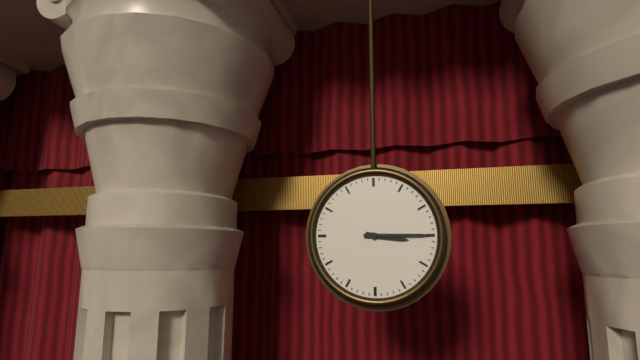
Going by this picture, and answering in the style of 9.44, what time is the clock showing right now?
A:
3.15
